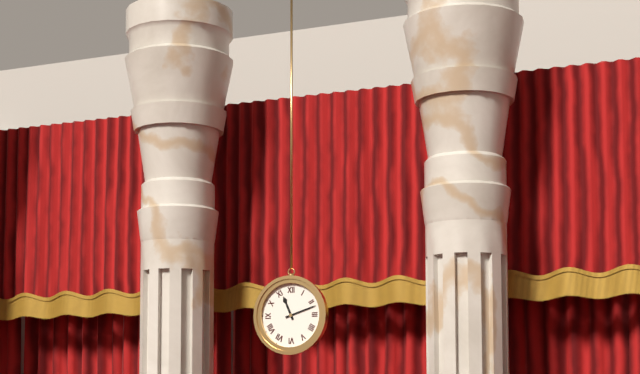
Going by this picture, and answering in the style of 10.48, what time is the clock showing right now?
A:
11.12
